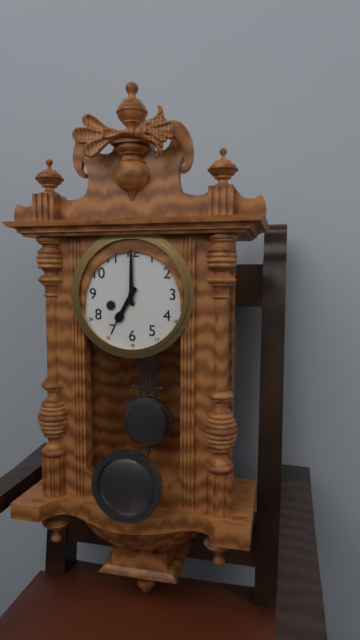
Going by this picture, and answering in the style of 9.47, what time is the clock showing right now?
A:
7.00
